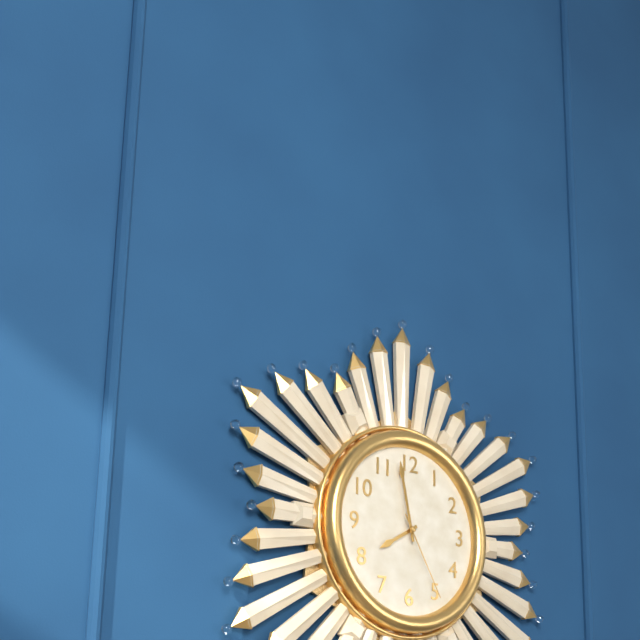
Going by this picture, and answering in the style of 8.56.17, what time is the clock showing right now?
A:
7.58.25
